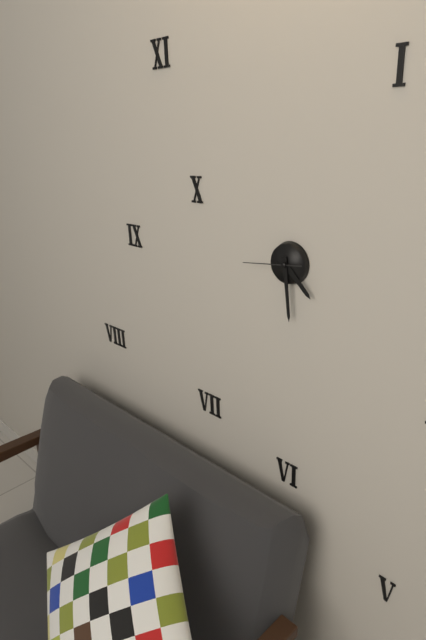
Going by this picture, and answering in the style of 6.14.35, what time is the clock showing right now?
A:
4.29.44
